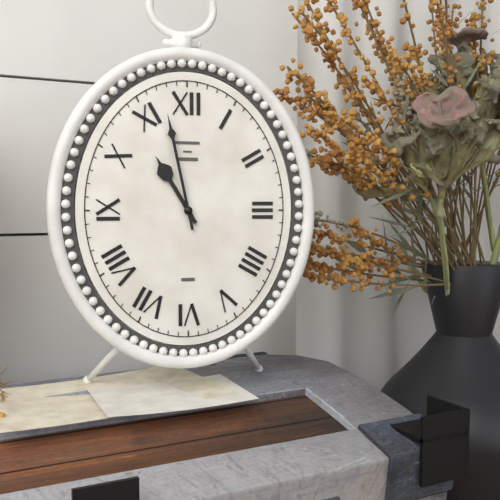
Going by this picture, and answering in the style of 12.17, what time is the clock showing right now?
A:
10.58
